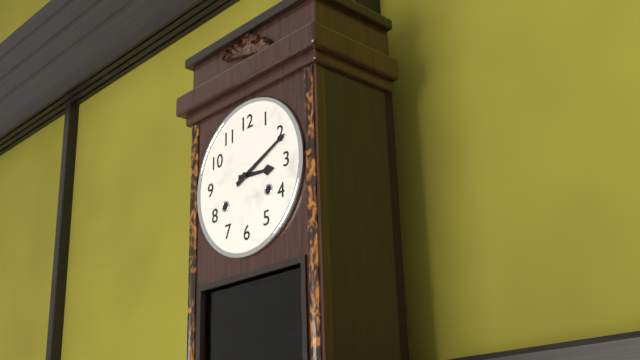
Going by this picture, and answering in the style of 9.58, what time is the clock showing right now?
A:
3.11
